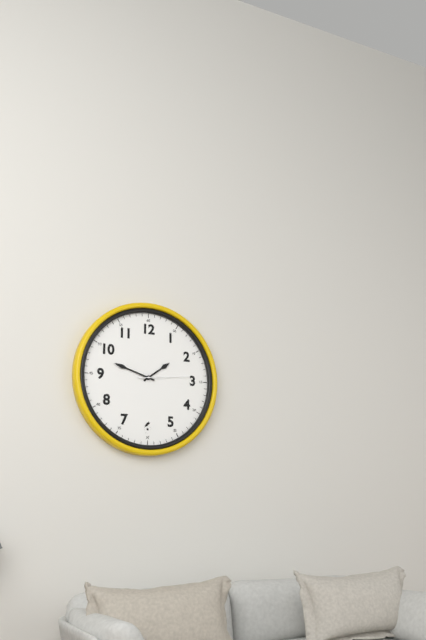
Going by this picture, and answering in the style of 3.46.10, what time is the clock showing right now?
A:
1.48.14
